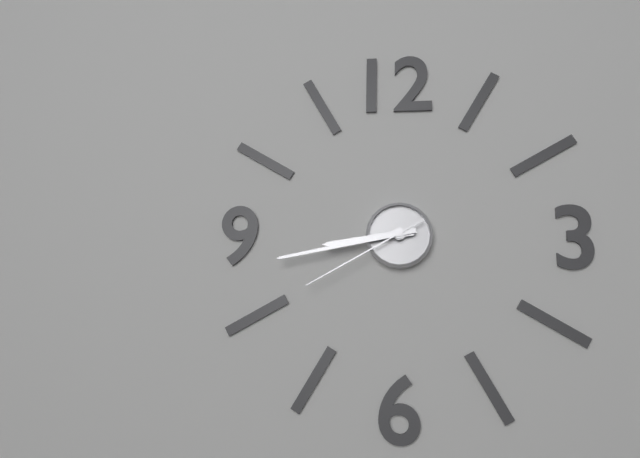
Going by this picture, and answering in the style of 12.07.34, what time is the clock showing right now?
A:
8.43.40
